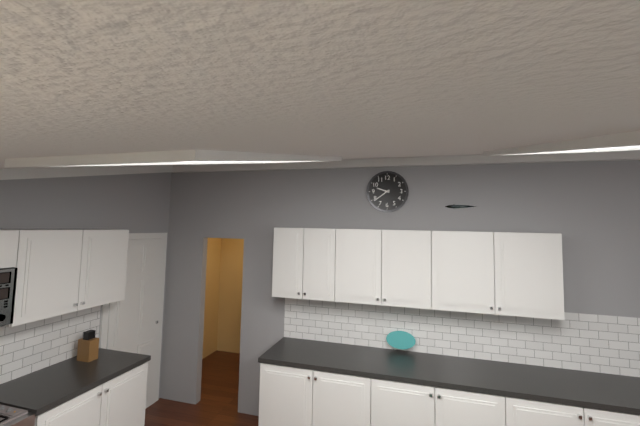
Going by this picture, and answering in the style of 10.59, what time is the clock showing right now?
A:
9.39
